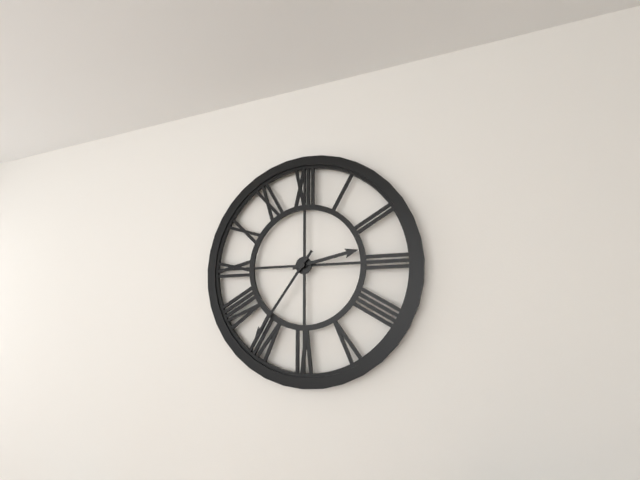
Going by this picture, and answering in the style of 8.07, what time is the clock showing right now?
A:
2.36
